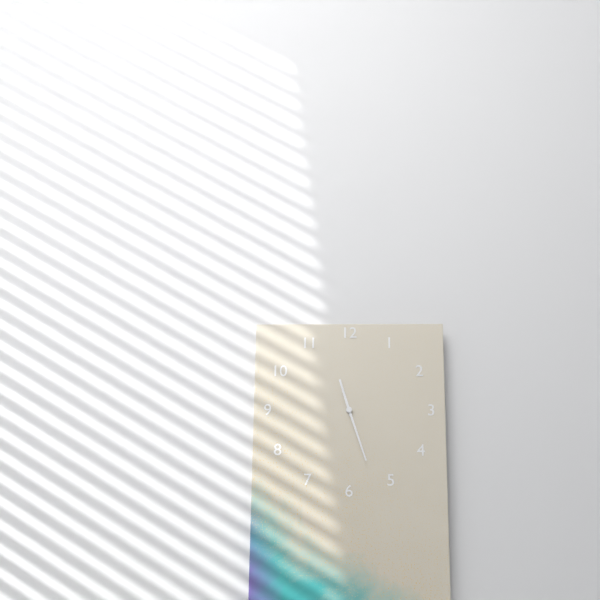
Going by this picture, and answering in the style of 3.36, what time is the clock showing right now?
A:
11.27
